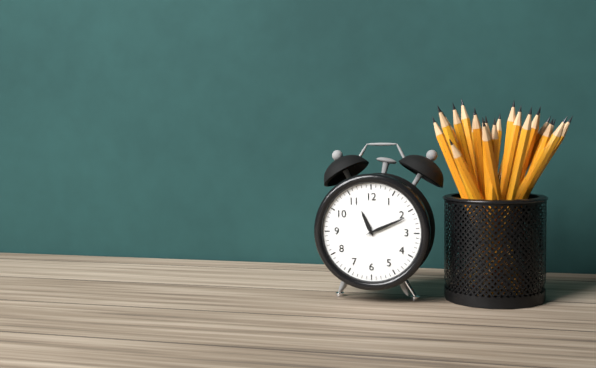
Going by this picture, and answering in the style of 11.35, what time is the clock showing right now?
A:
11.11
